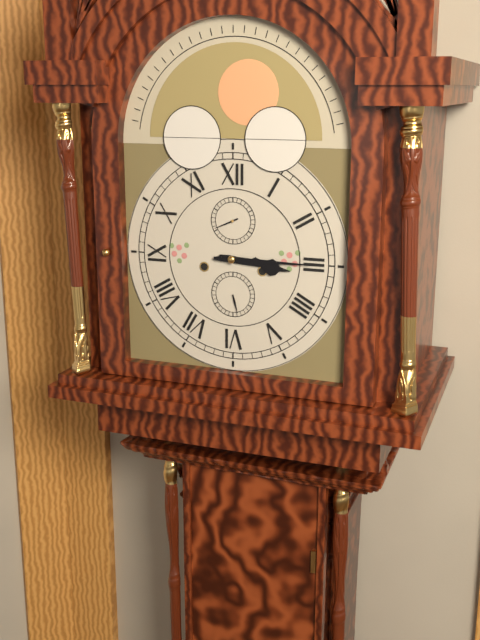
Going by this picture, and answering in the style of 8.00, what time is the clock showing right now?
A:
3.15
